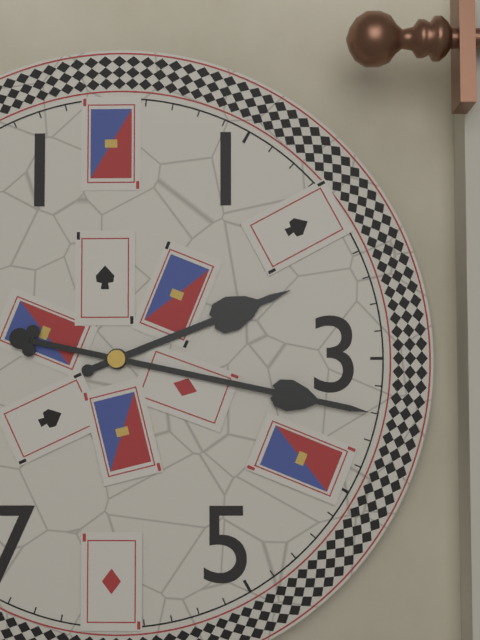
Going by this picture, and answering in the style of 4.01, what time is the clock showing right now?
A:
2.17
